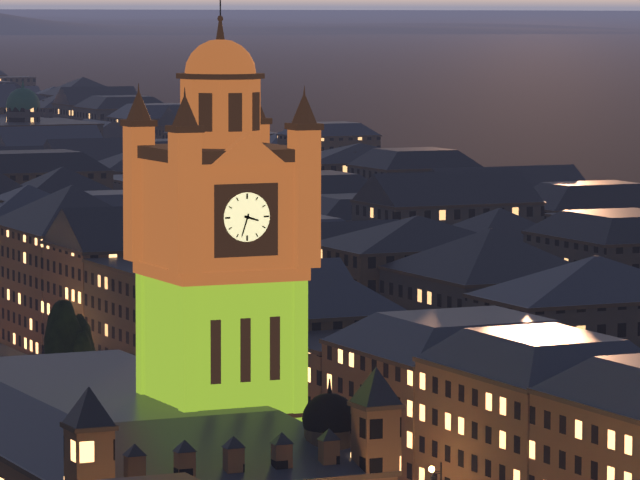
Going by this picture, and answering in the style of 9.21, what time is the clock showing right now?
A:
3.33
